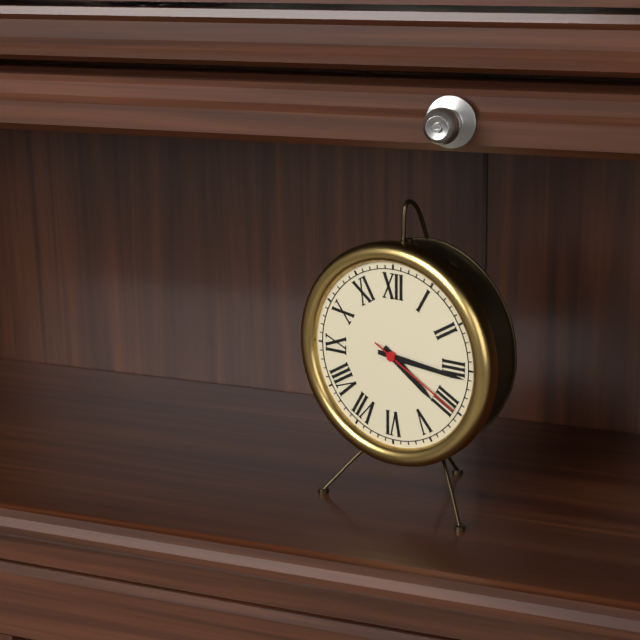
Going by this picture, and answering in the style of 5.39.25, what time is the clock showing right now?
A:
4.16.20
